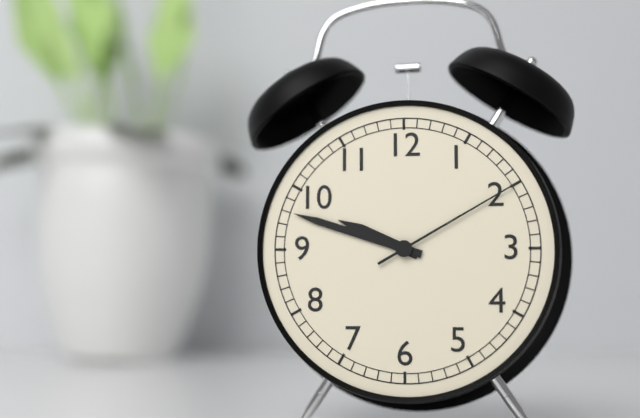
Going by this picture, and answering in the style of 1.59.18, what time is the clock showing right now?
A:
9.48.10
